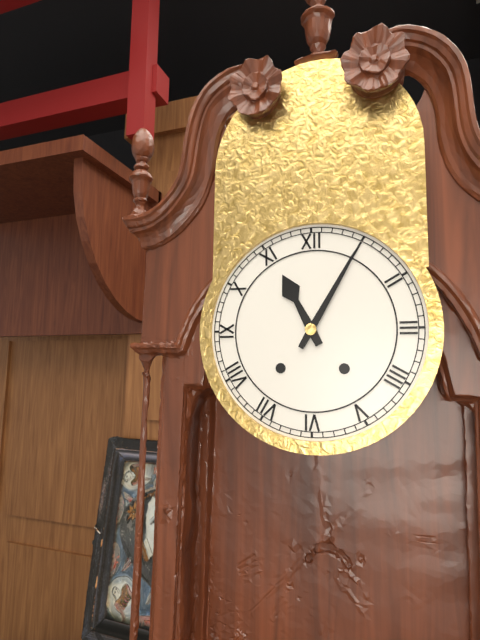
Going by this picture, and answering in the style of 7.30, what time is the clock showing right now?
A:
11.05
